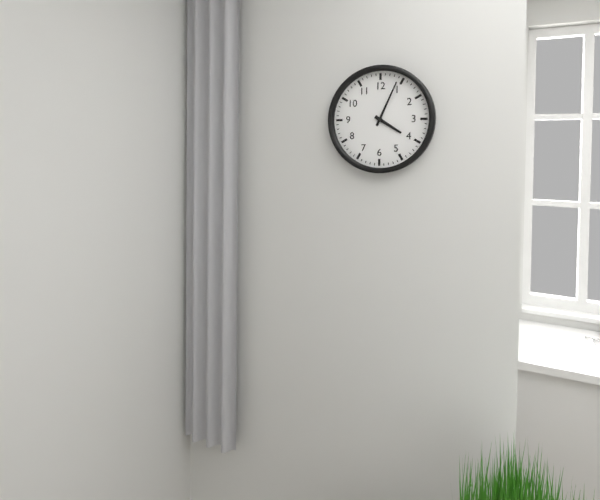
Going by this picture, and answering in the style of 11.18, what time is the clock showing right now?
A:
4.04
